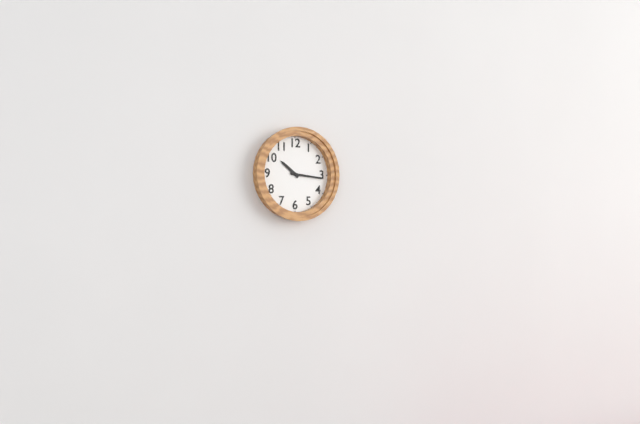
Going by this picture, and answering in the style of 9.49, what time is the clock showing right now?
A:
10.16
